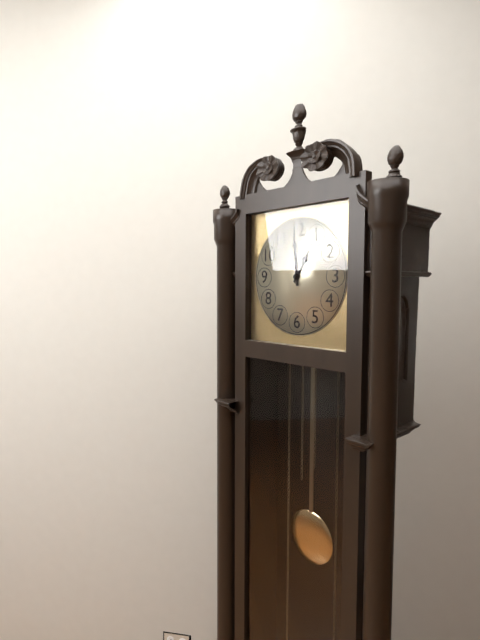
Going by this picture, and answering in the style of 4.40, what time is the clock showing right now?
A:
12.59
